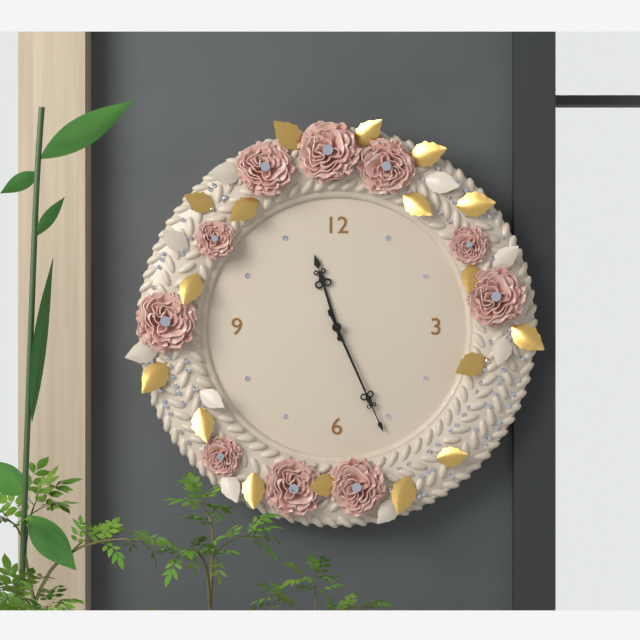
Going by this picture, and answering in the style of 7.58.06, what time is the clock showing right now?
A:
11.26.26
